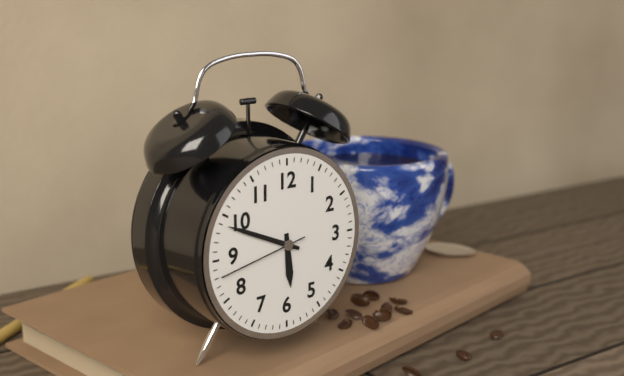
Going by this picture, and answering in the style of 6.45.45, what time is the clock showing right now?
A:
5.49.43
